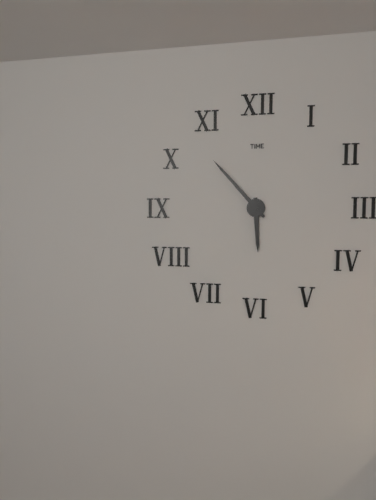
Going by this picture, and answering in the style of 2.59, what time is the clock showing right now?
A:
5.53
